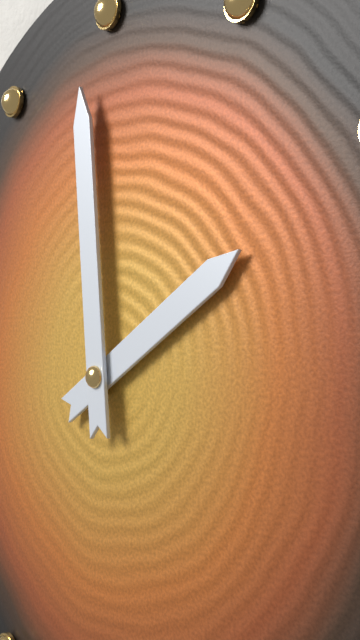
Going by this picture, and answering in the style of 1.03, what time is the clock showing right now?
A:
1.59
